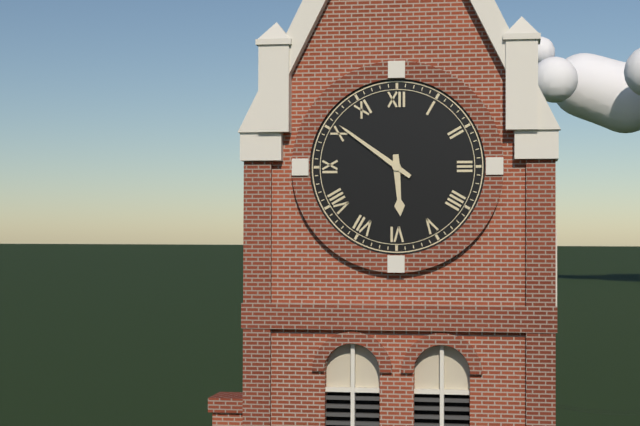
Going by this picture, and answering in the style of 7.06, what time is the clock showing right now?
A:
5.51
